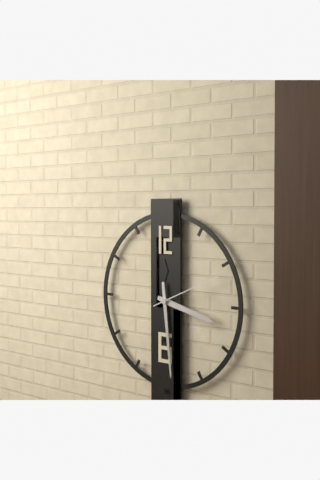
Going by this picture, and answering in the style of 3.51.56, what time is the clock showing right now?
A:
3.29.11
